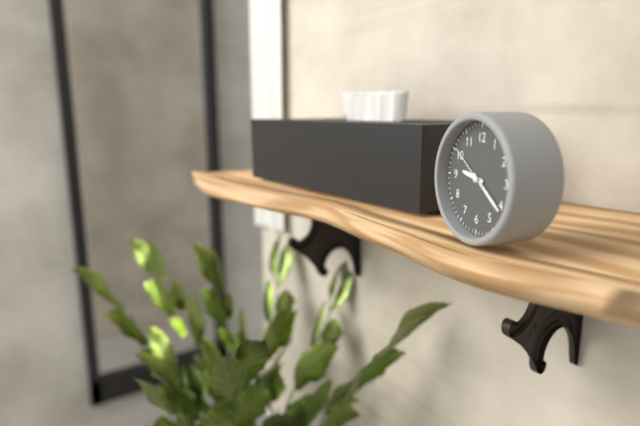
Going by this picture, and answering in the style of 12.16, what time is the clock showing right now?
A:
9.21
